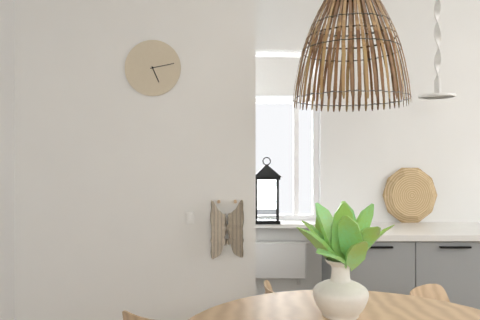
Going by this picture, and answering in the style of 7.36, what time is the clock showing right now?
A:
5.13
